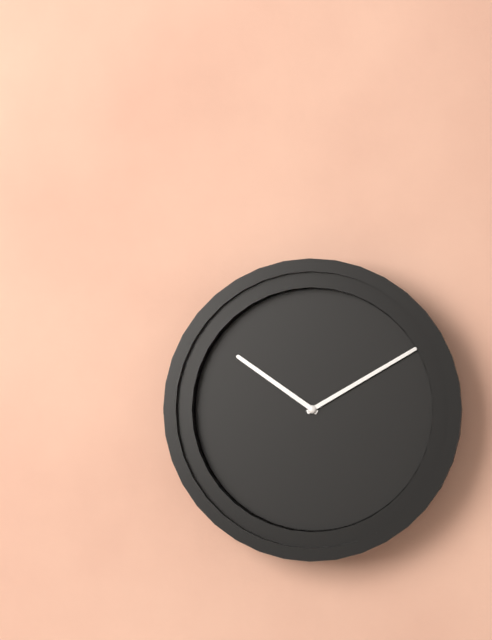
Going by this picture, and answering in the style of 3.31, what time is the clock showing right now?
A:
10.10
